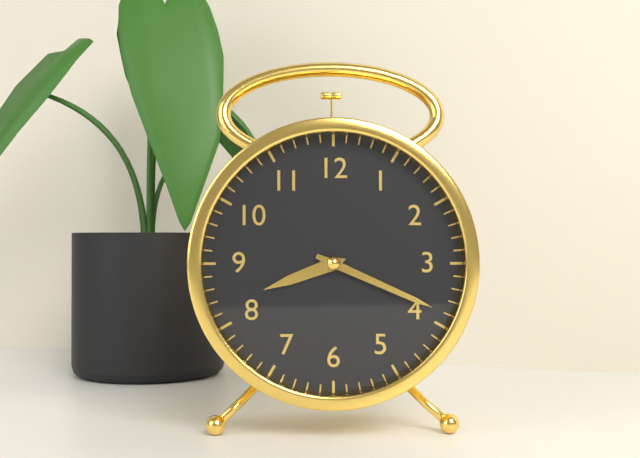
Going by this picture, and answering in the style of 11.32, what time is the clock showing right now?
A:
8.19
